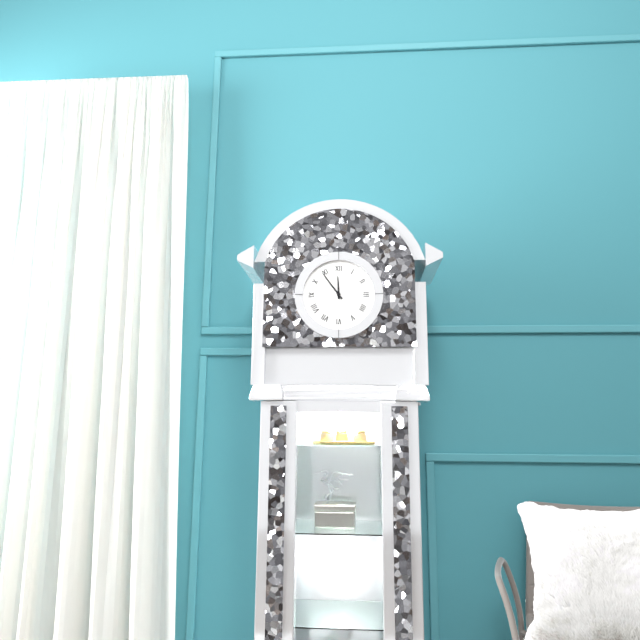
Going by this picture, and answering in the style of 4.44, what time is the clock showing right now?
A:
11.54
